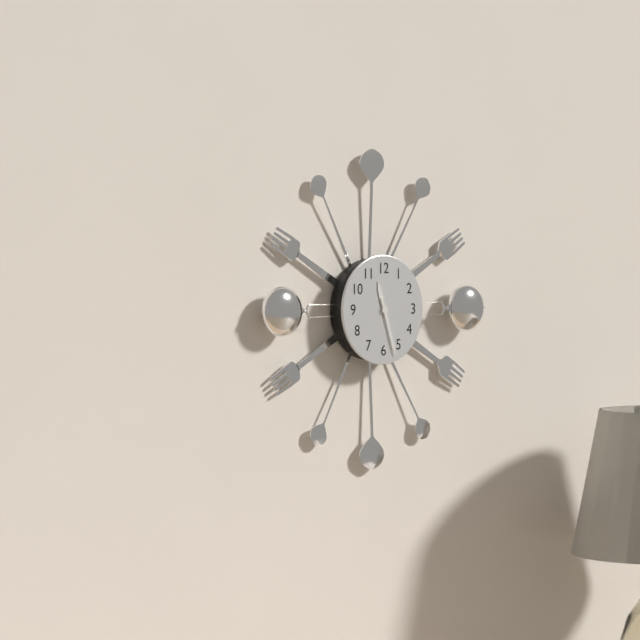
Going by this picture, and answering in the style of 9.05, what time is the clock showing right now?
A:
11.27
